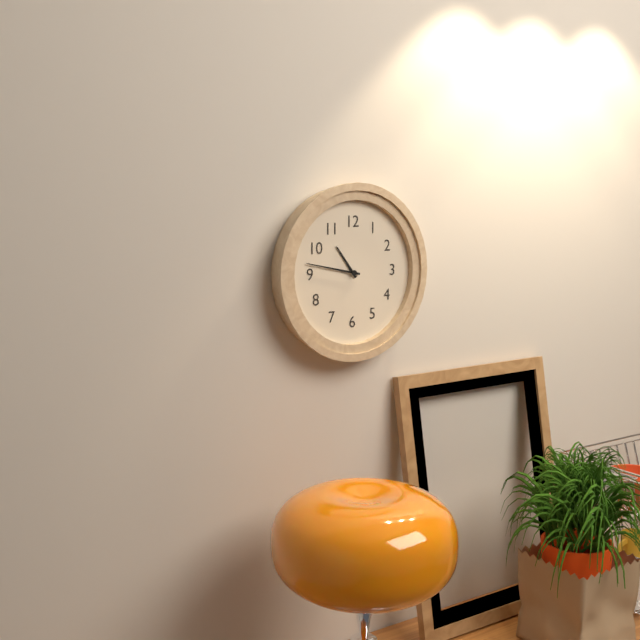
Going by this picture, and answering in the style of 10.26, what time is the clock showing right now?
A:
10.47
